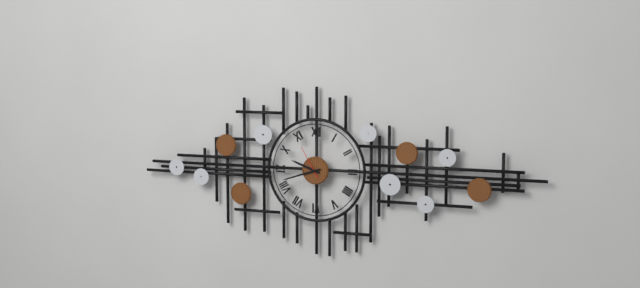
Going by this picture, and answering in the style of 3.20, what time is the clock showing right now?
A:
9.42
